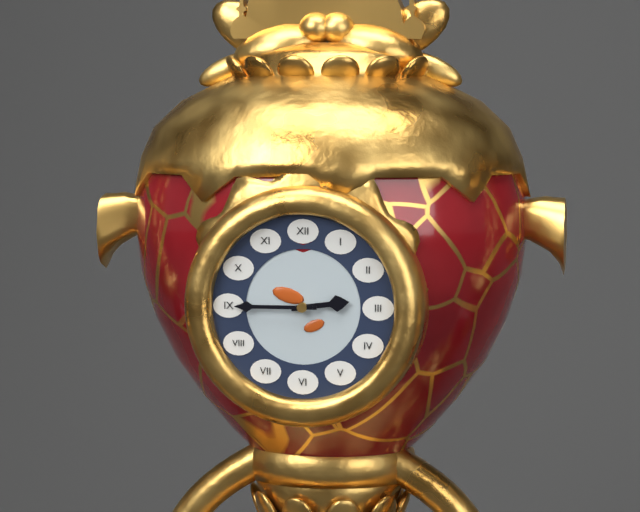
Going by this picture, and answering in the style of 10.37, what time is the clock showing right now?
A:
2.45
